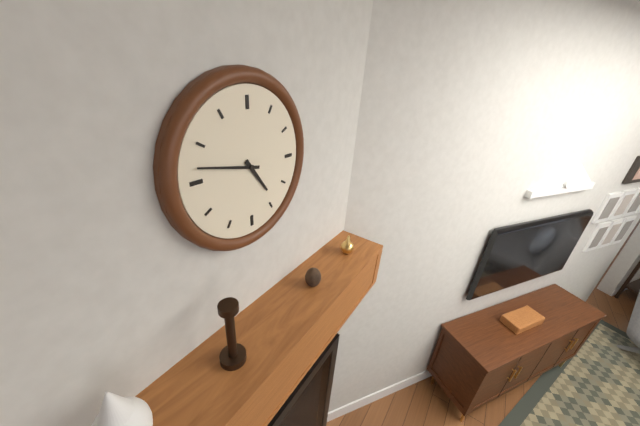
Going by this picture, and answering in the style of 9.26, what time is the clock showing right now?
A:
4.47
